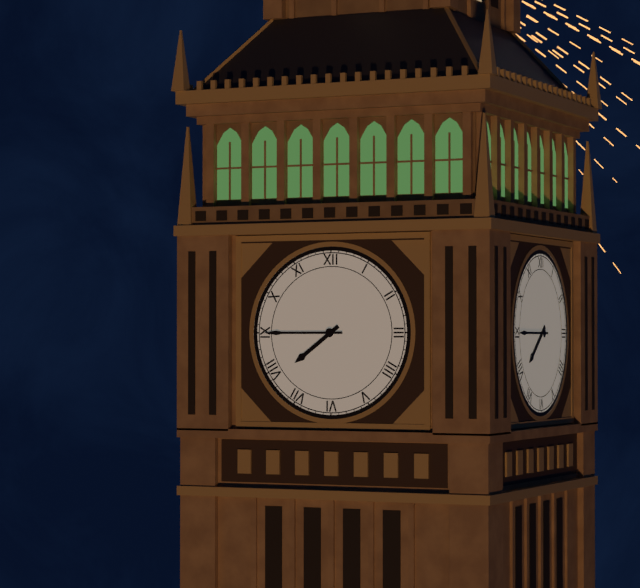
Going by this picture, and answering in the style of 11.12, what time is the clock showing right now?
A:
7.45
